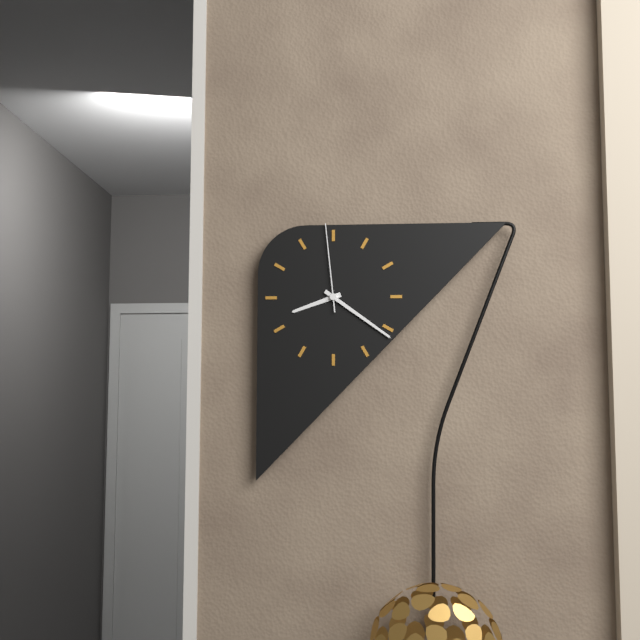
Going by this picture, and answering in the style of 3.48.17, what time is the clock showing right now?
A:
8.21.59
